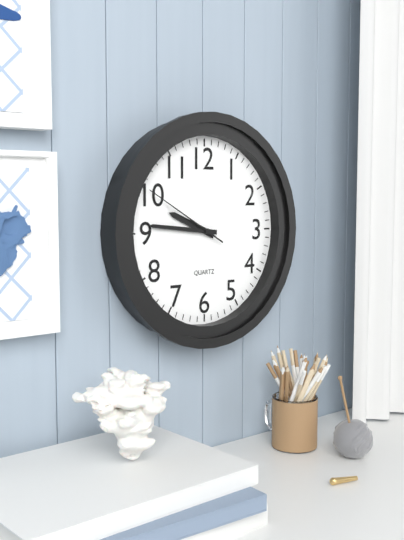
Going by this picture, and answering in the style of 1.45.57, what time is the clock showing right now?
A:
9.46.50
